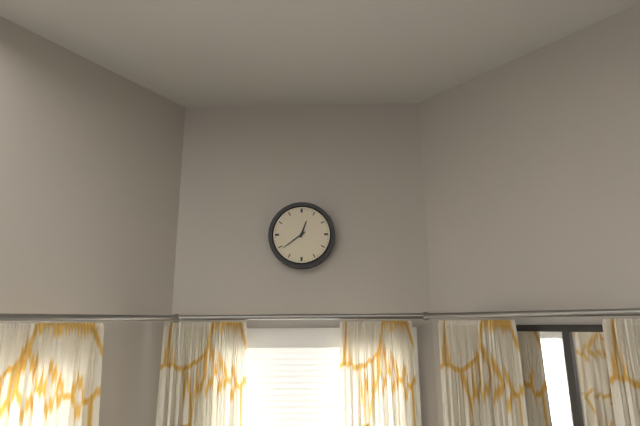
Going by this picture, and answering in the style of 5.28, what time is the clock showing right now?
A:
12.39
